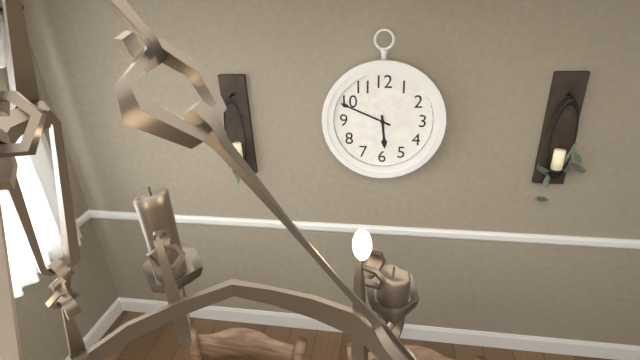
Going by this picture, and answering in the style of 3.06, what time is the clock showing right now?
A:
5.49
